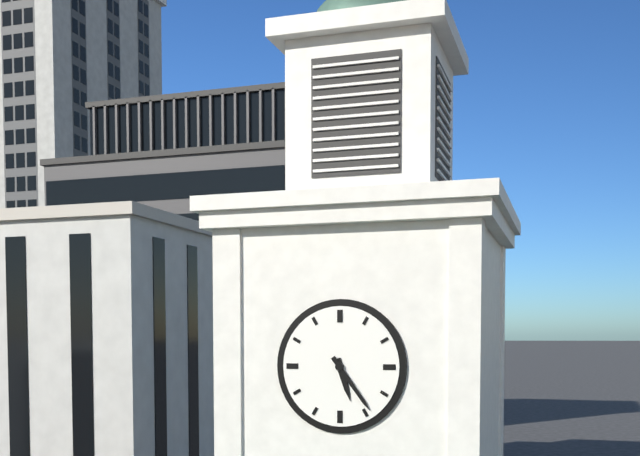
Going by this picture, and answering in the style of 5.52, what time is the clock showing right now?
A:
5.24
